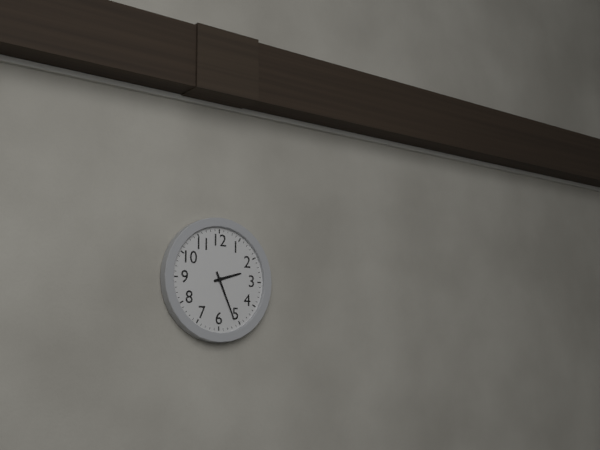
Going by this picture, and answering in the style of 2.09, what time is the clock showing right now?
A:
2.26
